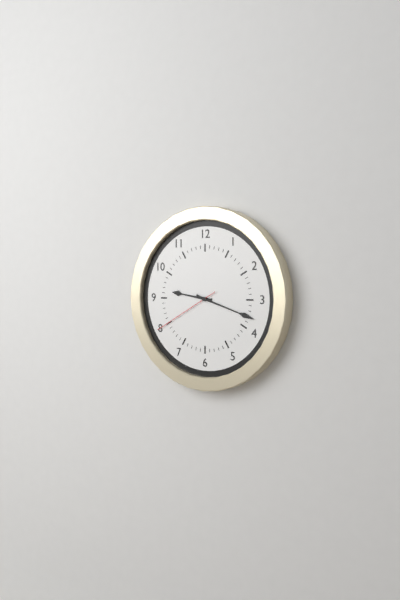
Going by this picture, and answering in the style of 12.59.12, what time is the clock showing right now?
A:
9.18.40
